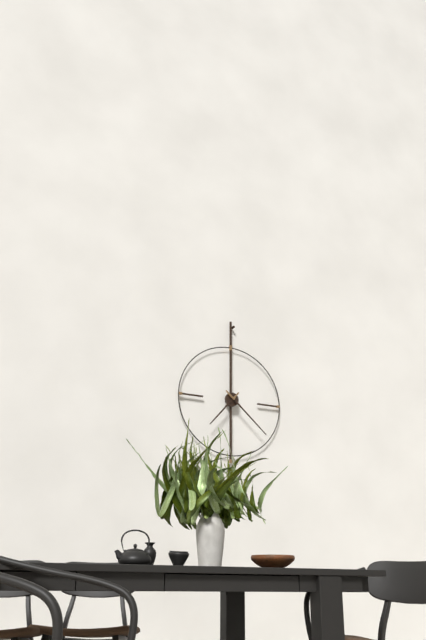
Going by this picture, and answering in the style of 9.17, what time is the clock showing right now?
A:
7.22
